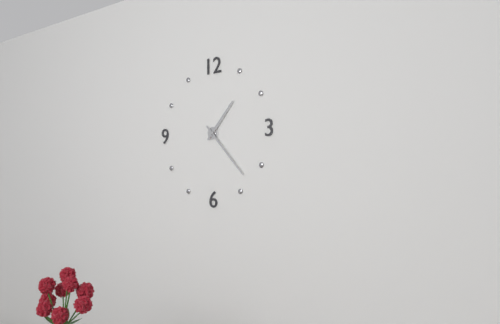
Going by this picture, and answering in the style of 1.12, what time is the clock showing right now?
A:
1.23
